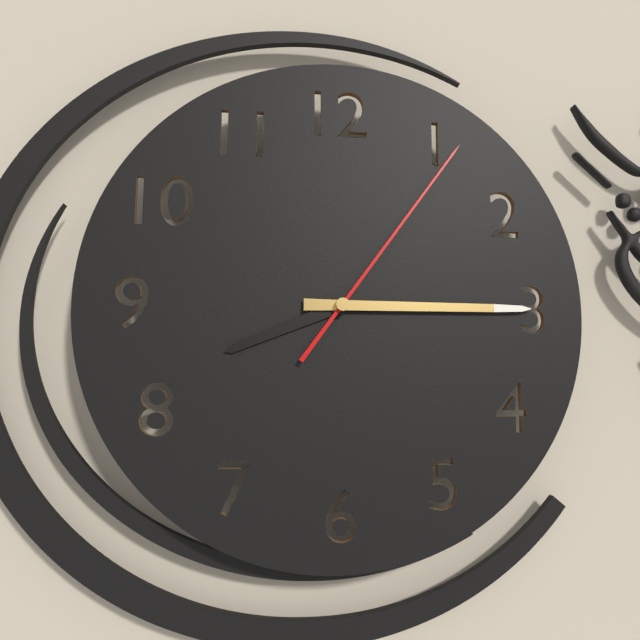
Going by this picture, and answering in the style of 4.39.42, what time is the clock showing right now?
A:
8.15.06
